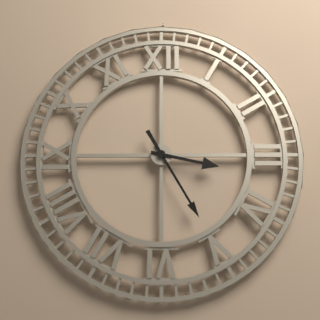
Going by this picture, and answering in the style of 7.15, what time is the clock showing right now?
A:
3.25
